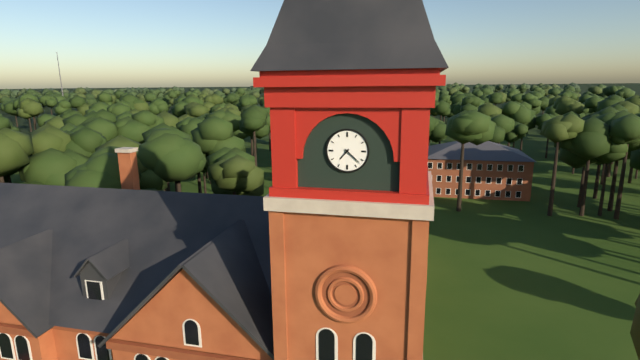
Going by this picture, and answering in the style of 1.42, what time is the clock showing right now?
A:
7.22
